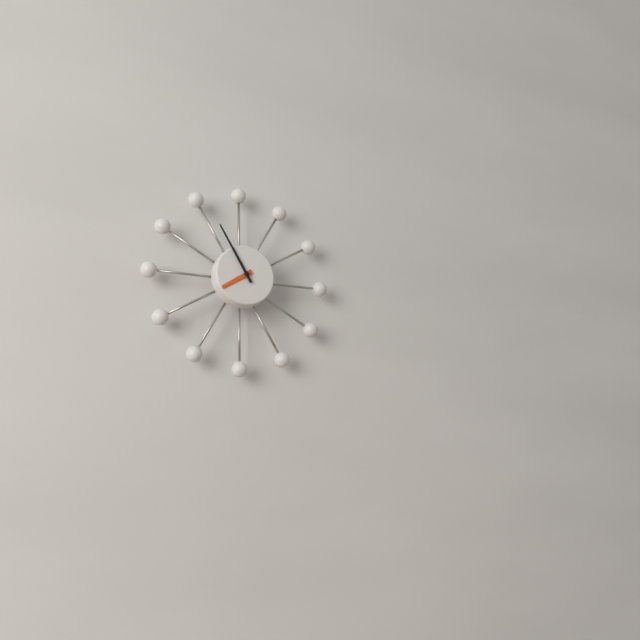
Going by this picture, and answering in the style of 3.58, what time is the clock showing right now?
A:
7.55
